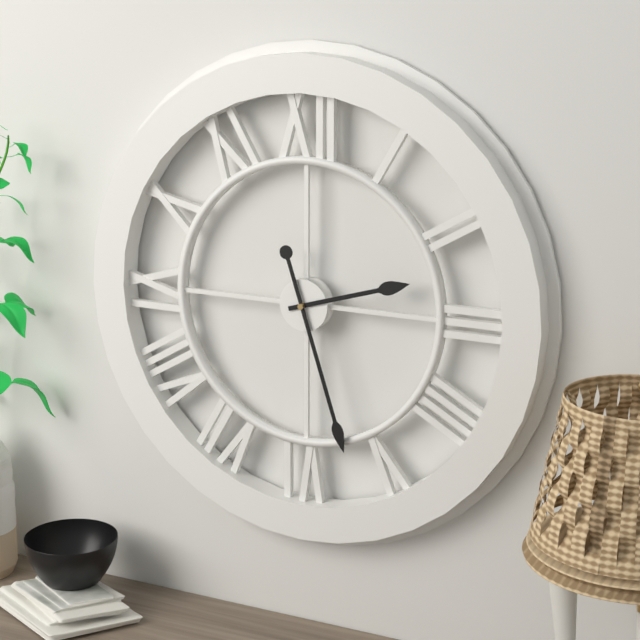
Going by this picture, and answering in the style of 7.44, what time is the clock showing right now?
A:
2.27
